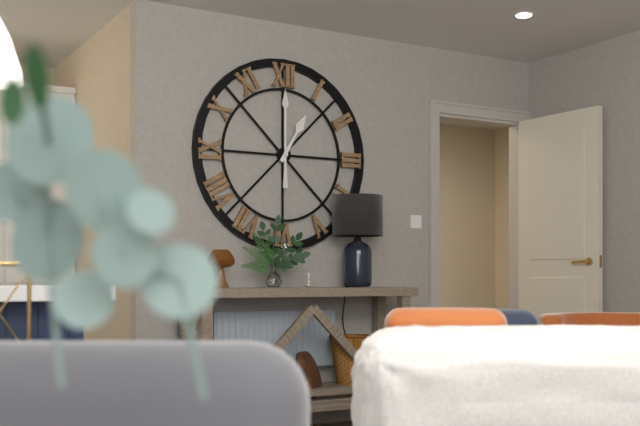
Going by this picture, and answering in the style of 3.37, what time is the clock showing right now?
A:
1.00
